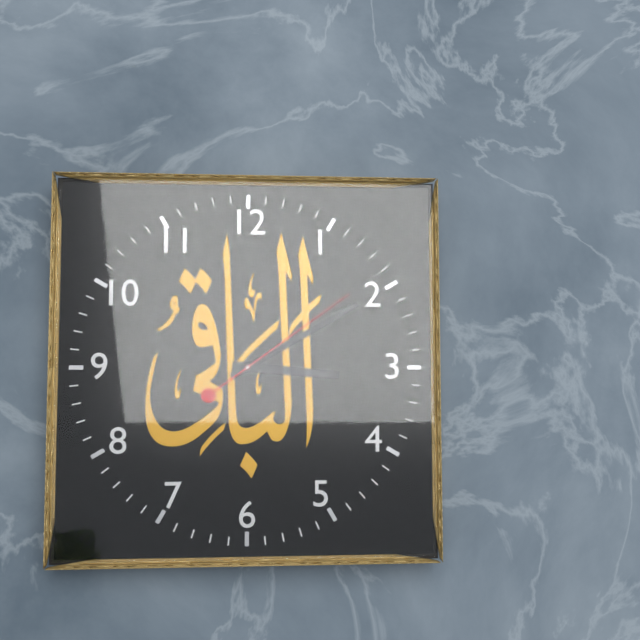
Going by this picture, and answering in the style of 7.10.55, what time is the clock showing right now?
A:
3.10.09
